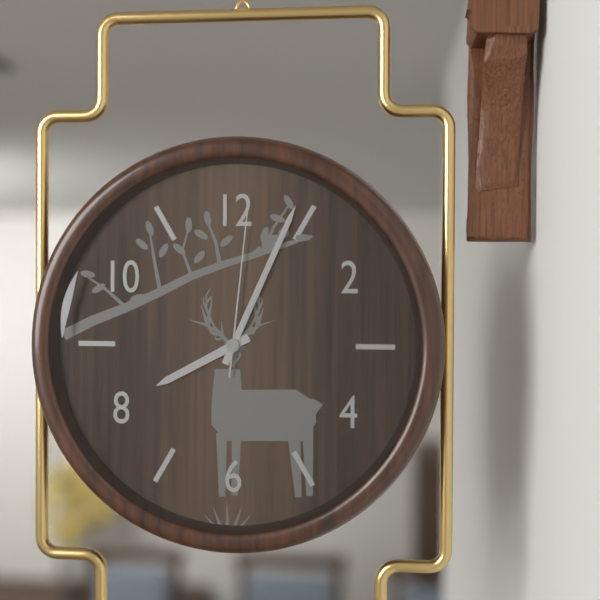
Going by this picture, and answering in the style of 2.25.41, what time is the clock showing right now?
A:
8.04.01
